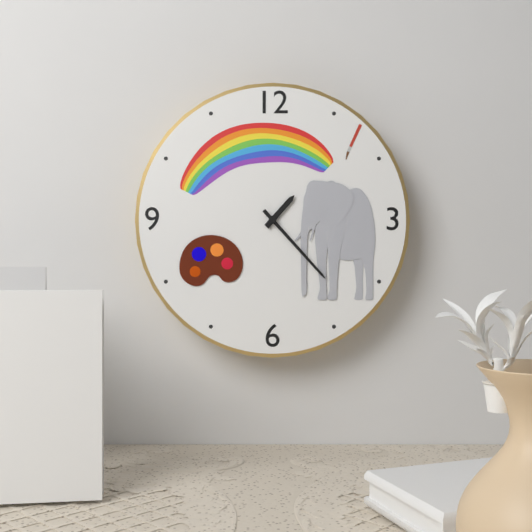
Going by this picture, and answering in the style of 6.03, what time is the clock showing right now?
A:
1.23
